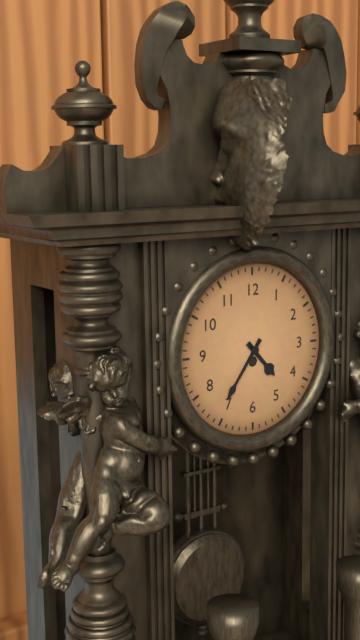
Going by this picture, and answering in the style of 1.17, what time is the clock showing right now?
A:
4.36
